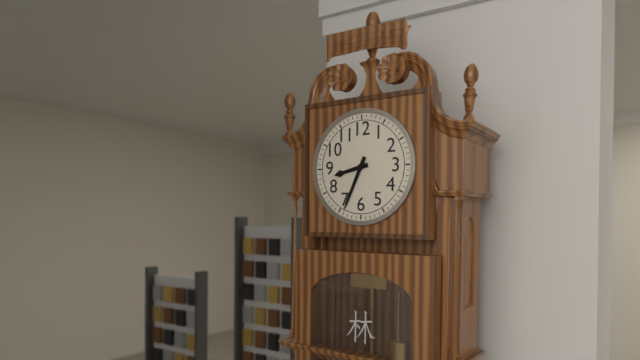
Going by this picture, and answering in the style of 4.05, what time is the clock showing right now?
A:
8.34
